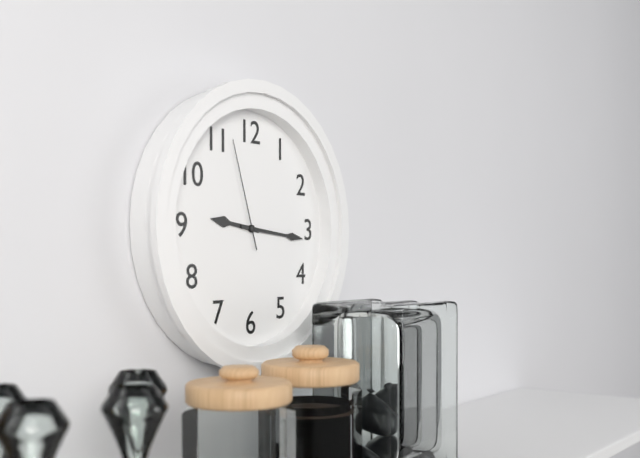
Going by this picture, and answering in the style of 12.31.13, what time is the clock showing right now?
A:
9.16.57
